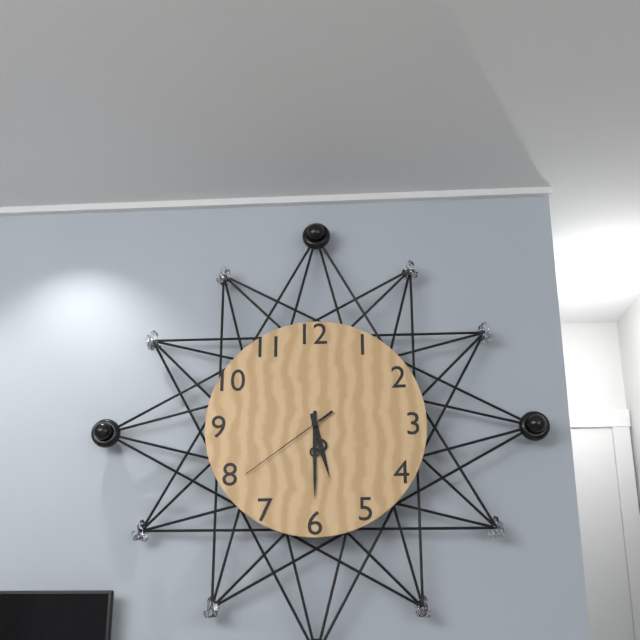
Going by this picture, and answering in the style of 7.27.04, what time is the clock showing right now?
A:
5.30.39
